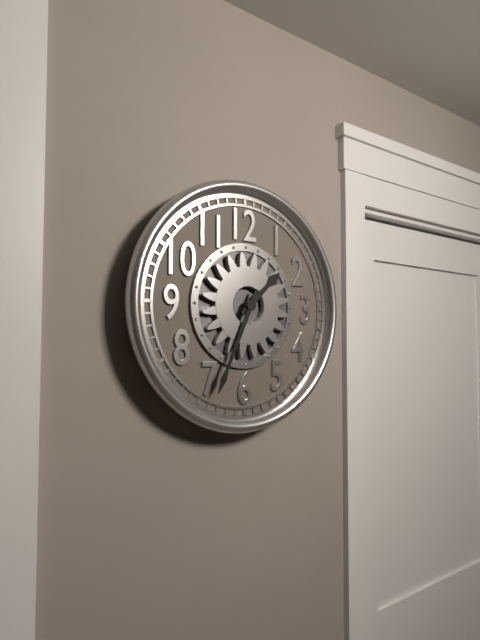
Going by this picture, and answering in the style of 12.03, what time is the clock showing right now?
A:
1.34
